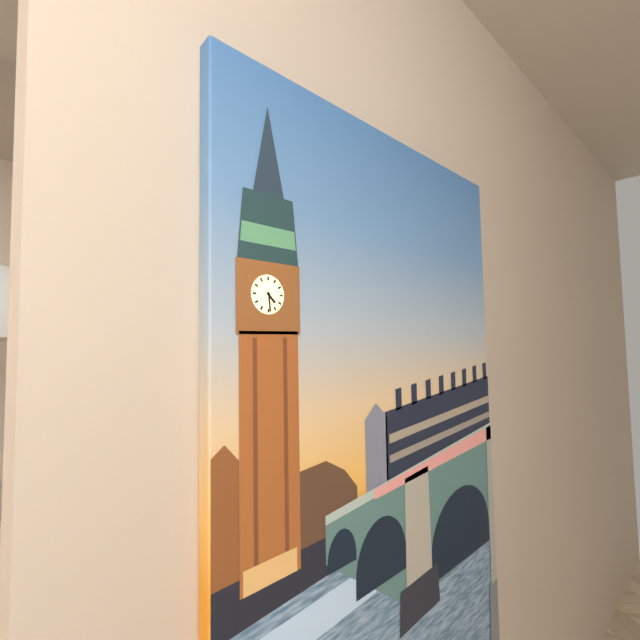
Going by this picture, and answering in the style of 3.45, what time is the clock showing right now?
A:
4.29
